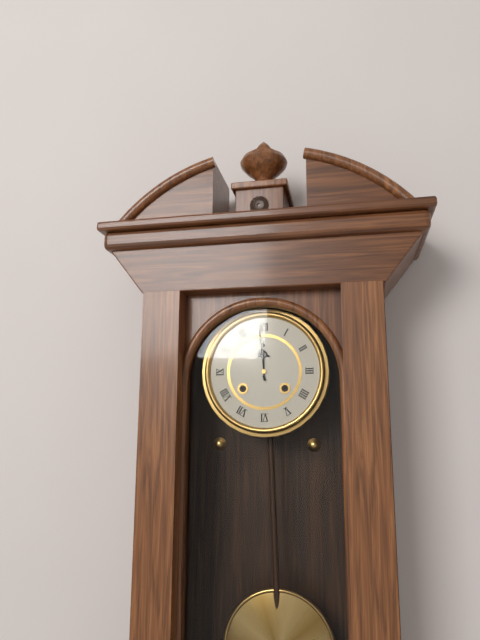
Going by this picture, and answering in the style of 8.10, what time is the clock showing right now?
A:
11.59
